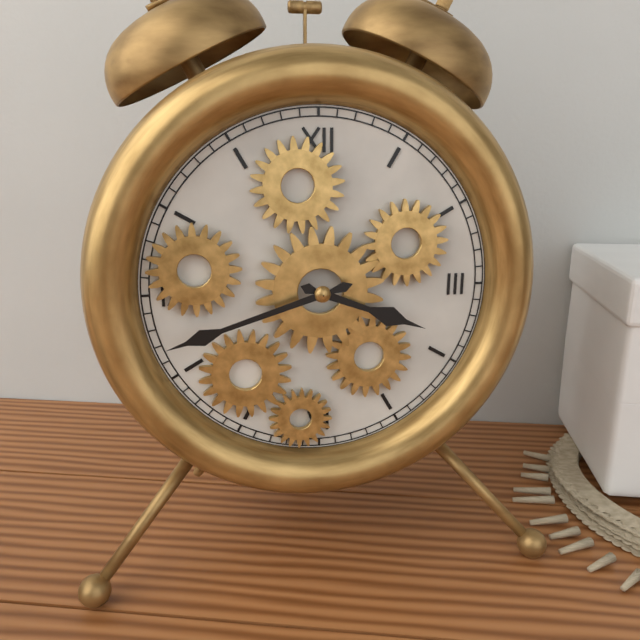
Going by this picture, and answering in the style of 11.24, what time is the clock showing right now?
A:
3.42
